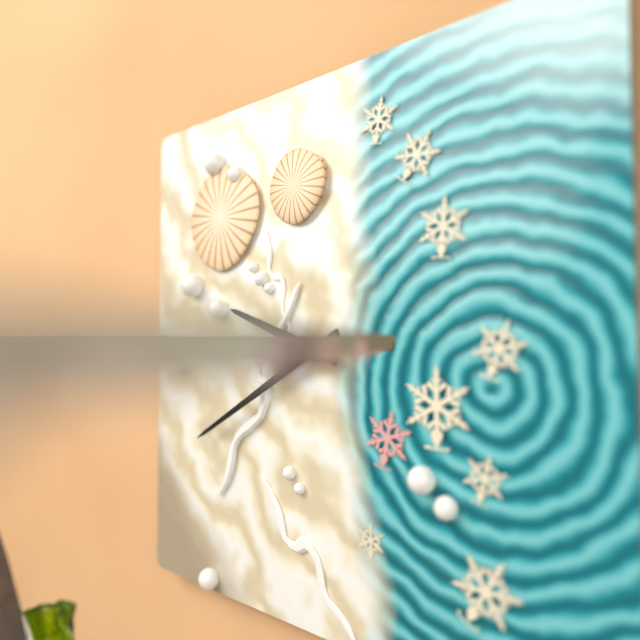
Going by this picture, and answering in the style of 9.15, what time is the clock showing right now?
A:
9.40
